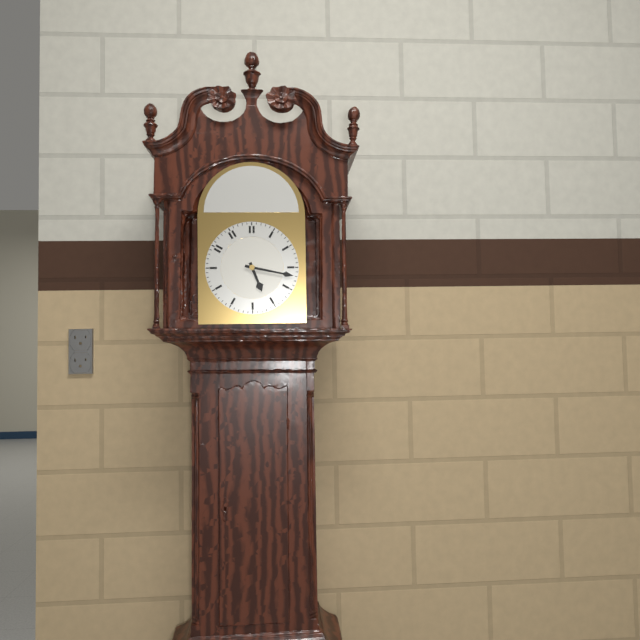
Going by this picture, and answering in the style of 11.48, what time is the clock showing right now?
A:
5.17
